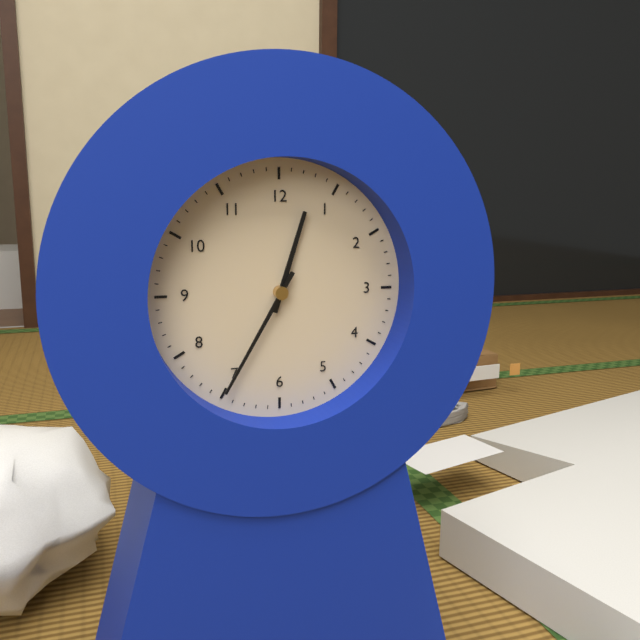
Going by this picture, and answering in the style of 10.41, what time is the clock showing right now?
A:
12.35
